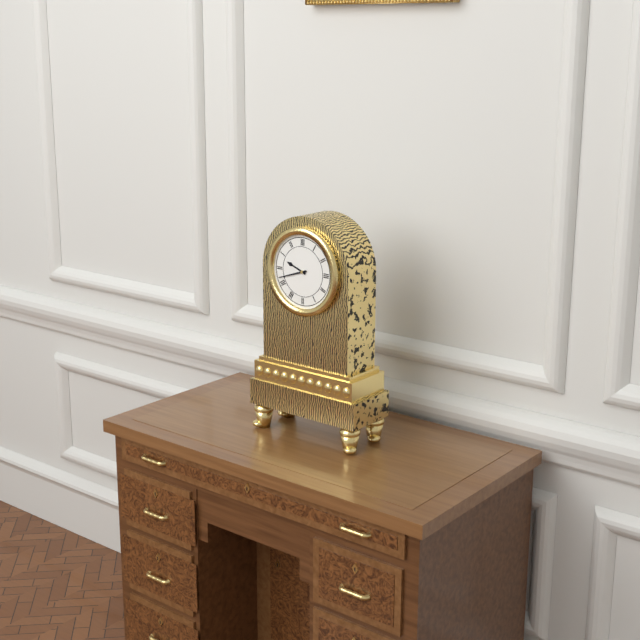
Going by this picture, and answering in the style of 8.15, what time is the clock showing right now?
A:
9.42
